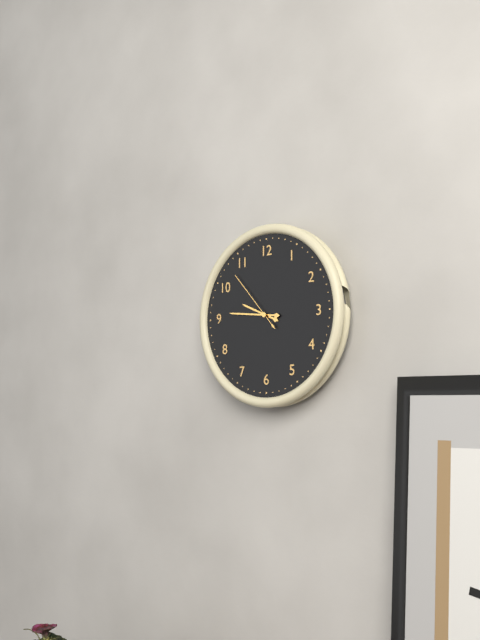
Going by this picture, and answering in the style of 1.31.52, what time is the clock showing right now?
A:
9.46.53
